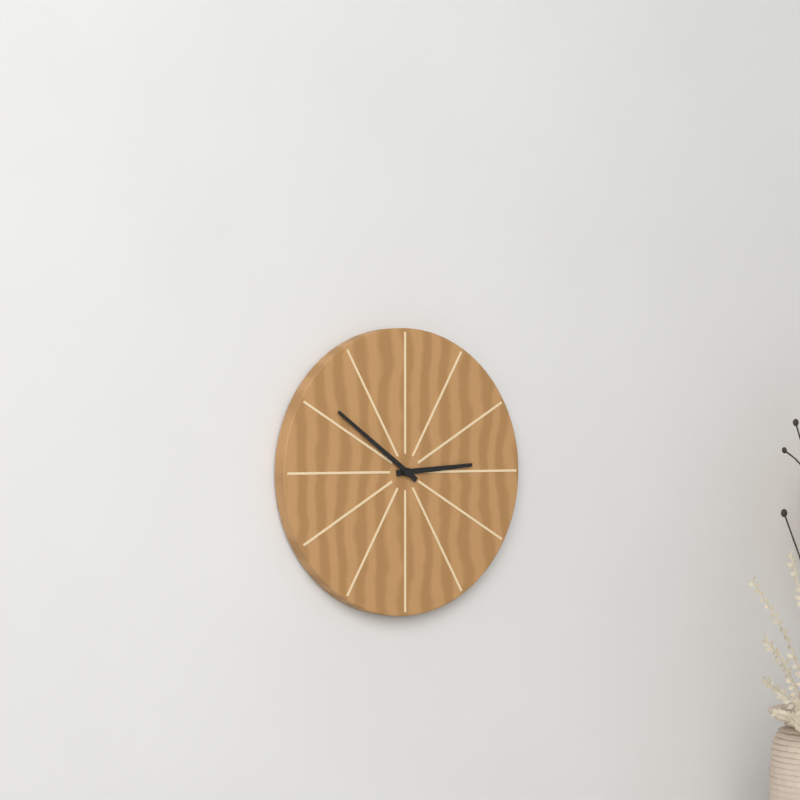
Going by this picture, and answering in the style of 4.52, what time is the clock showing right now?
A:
2.51
